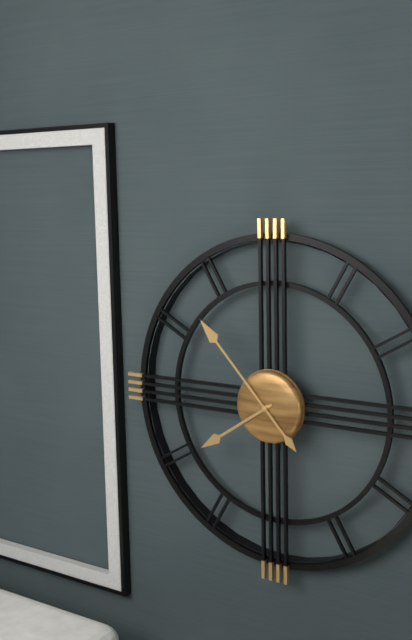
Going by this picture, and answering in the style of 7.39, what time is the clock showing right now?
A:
7.53
